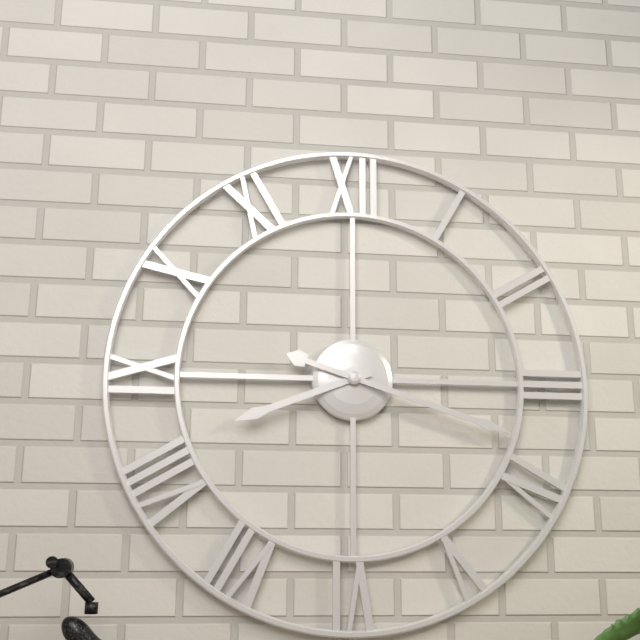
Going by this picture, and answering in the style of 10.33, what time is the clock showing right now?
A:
8.18
